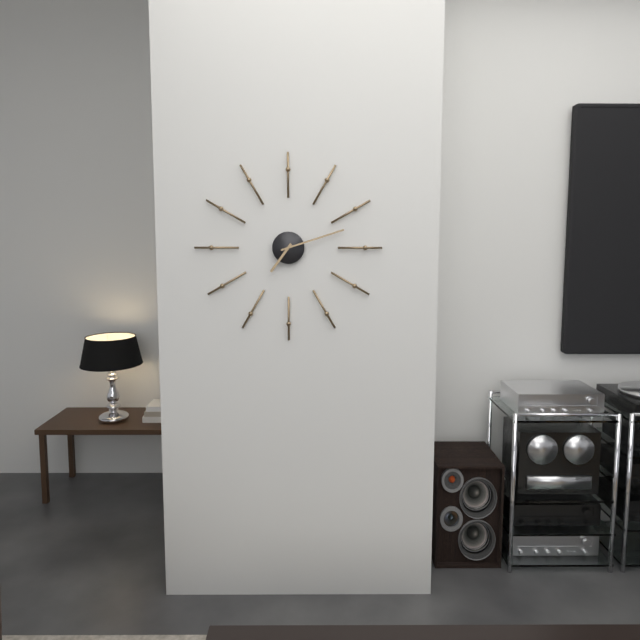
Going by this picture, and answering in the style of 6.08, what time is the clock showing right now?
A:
7.12
